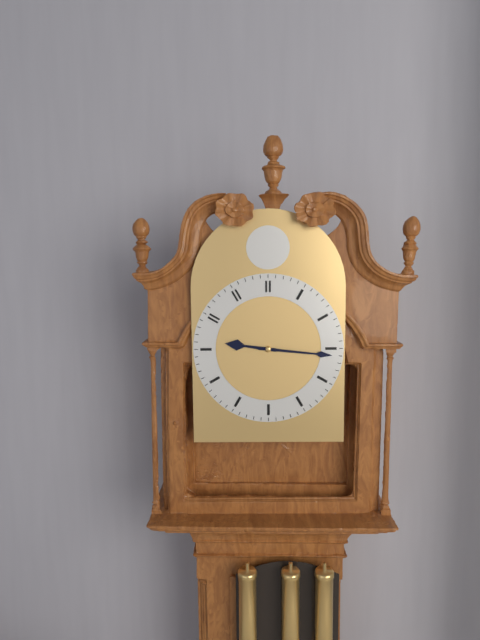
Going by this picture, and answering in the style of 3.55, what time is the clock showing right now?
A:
9.16
